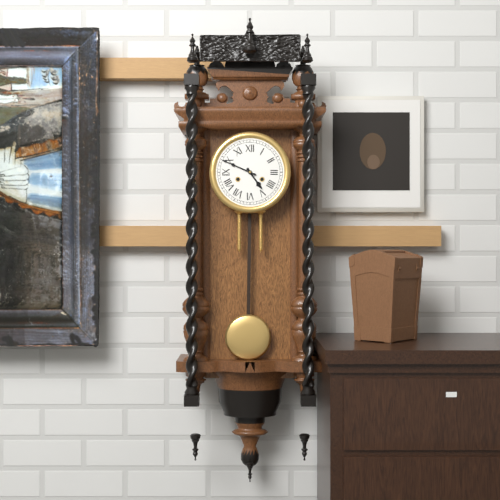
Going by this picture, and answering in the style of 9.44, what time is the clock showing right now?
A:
4.49
